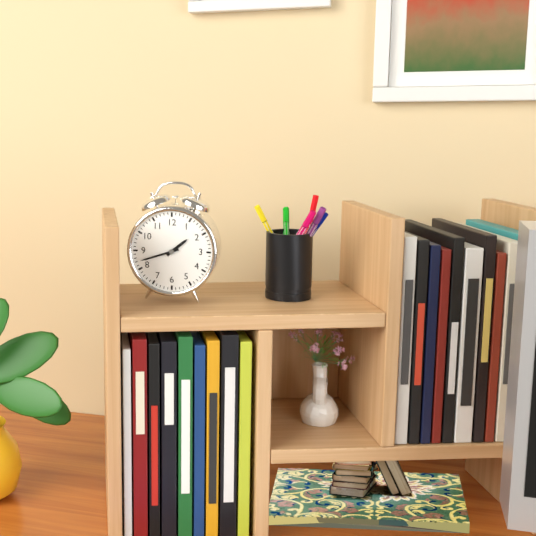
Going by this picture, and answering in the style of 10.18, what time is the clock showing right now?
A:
1.42
